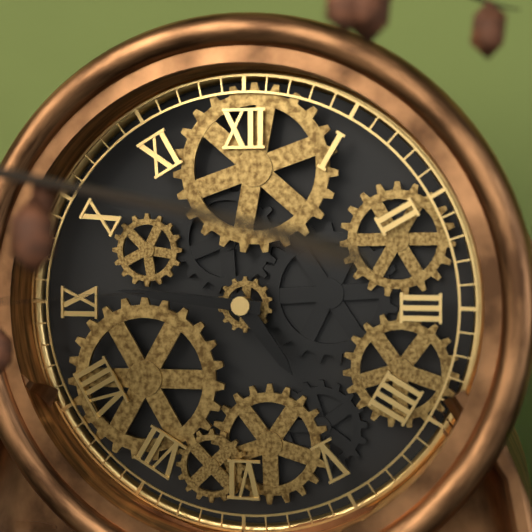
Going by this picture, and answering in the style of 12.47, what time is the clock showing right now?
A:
4.46
